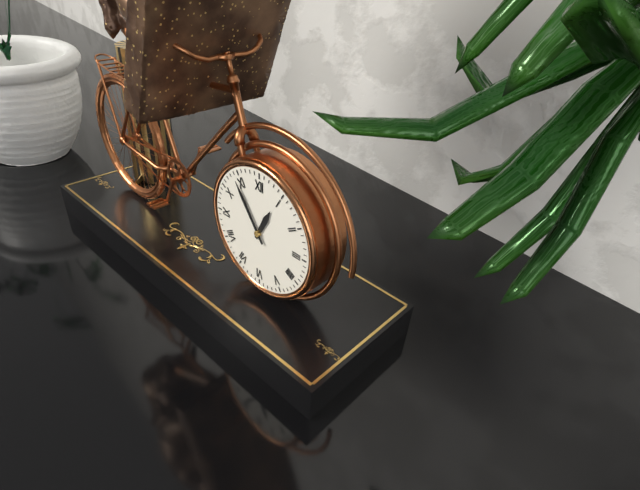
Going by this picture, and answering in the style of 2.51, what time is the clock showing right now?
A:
12.54
